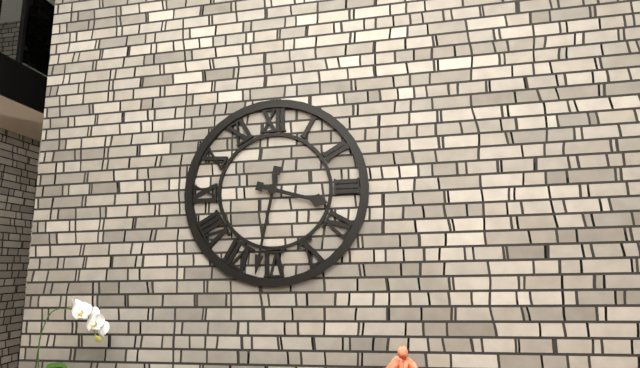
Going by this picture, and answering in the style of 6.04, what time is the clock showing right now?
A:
3.32
